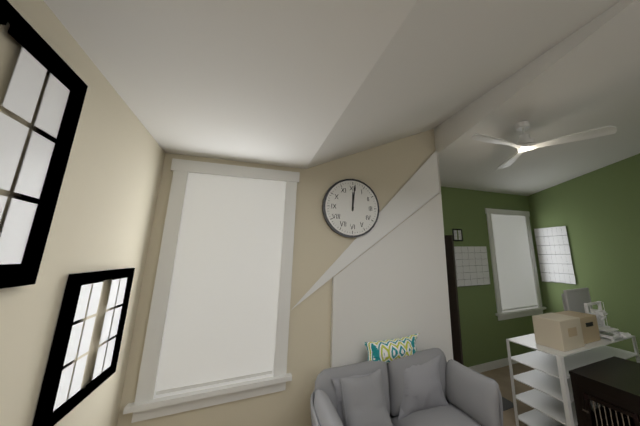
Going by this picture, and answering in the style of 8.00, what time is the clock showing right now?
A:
12.01
